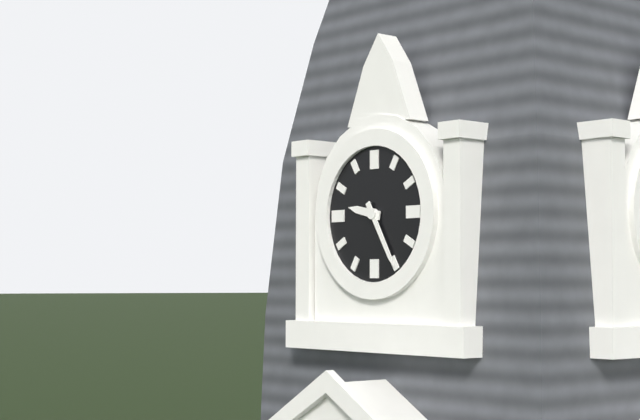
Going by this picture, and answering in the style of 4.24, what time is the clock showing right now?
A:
9.25
